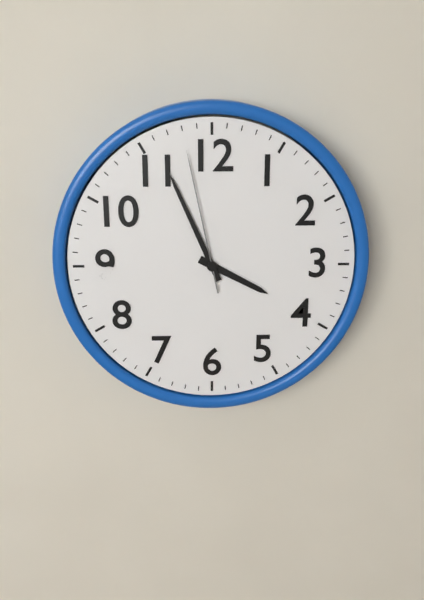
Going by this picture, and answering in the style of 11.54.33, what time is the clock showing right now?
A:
3.56.58
